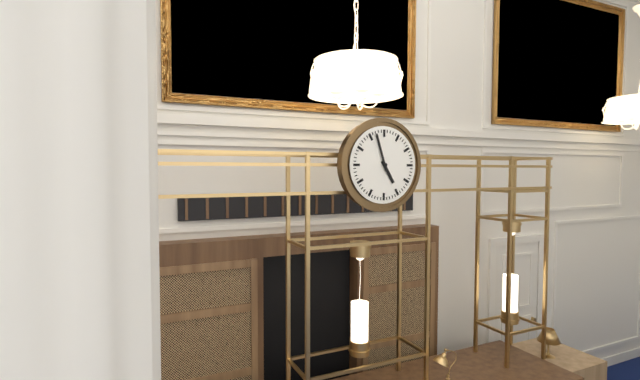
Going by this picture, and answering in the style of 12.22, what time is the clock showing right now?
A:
4.57
